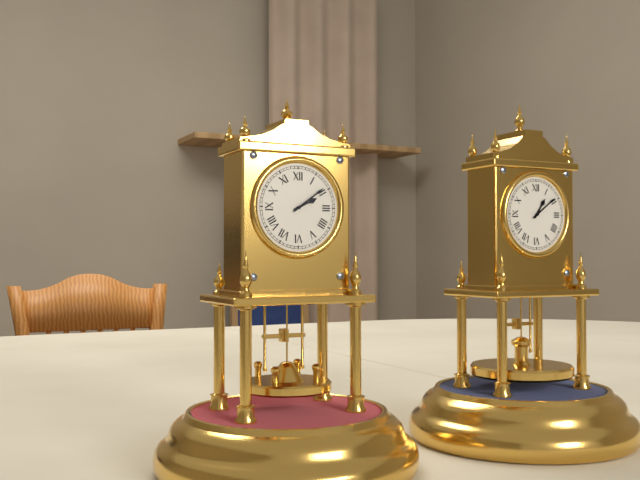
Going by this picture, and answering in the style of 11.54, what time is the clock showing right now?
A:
2.09
